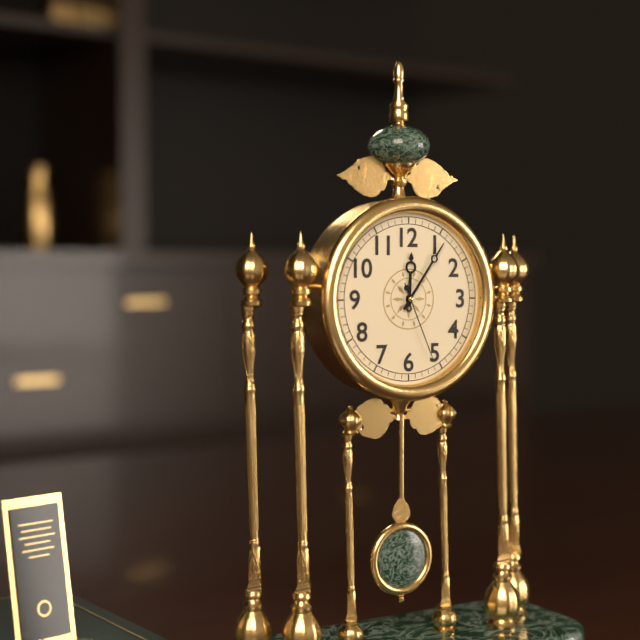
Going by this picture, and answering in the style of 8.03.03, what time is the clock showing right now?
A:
12.06.26
